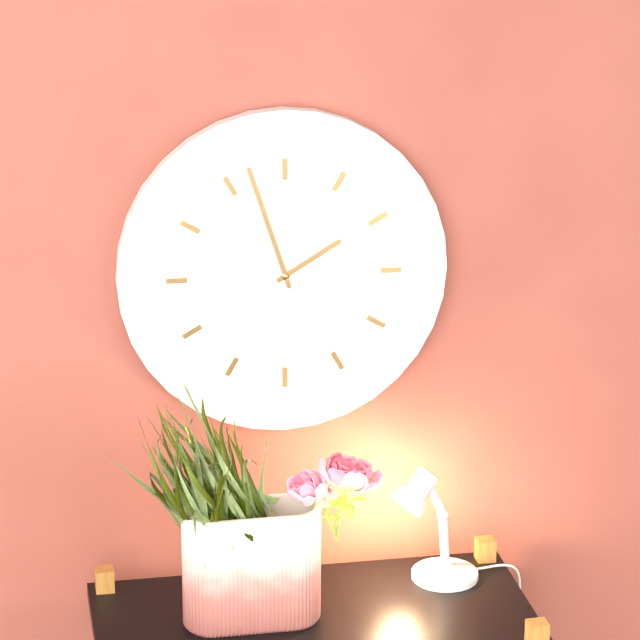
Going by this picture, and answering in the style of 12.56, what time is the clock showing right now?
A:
1.57
